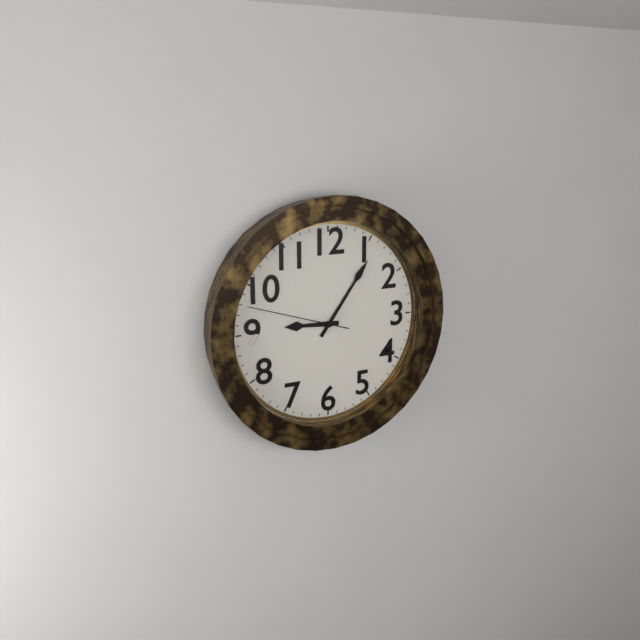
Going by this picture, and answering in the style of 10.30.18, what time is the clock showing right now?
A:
9.06.48
